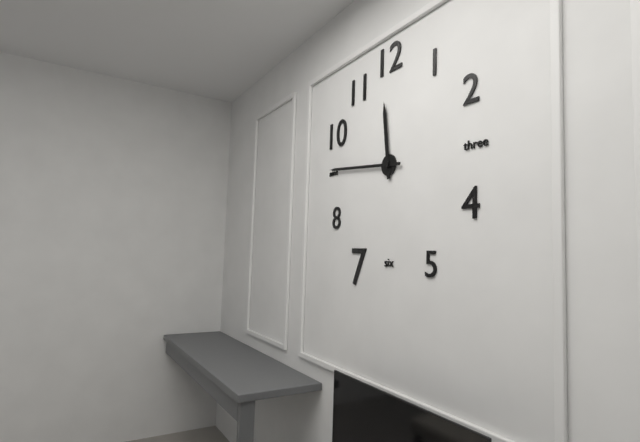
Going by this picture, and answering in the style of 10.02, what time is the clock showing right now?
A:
11.46
